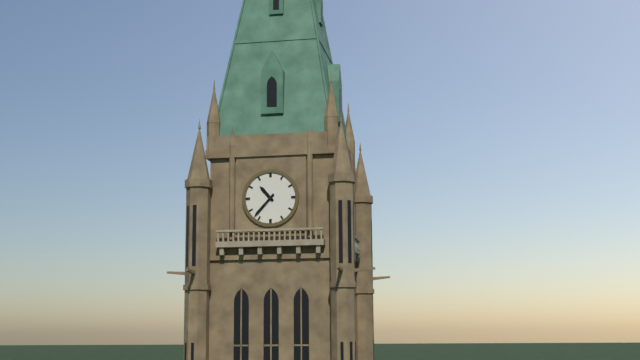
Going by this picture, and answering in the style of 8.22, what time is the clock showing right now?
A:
10.37
